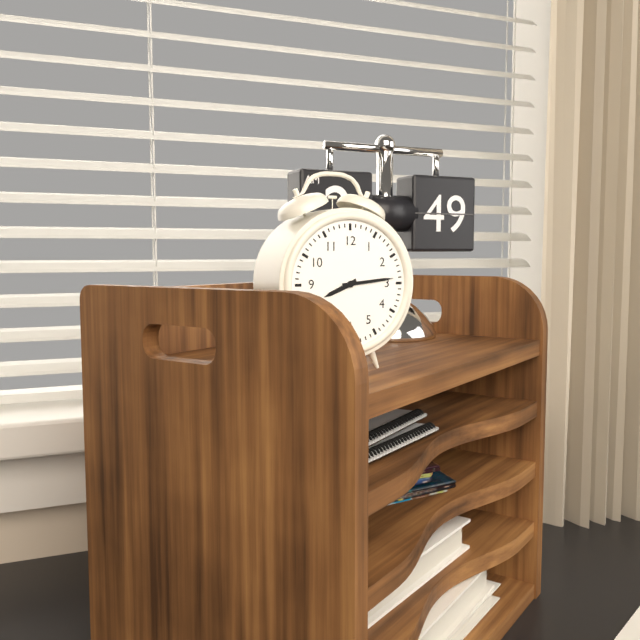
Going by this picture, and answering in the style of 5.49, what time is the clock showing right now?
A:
8.14
